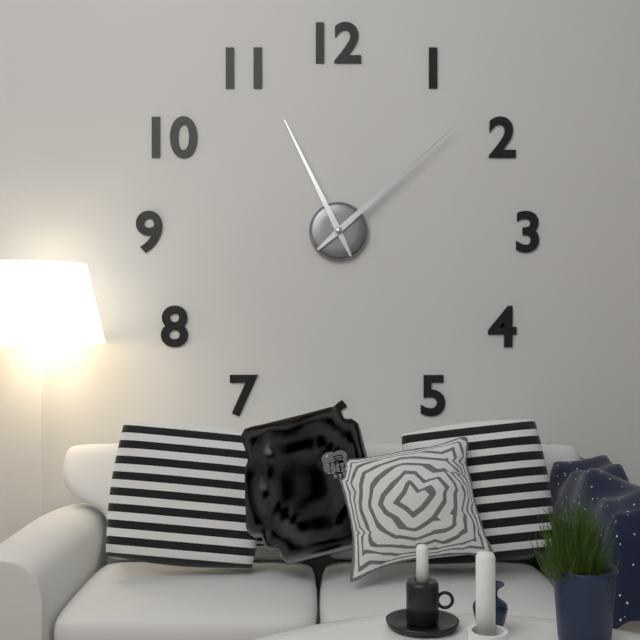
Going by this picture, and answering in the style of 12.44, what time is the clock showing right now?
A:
11.08
